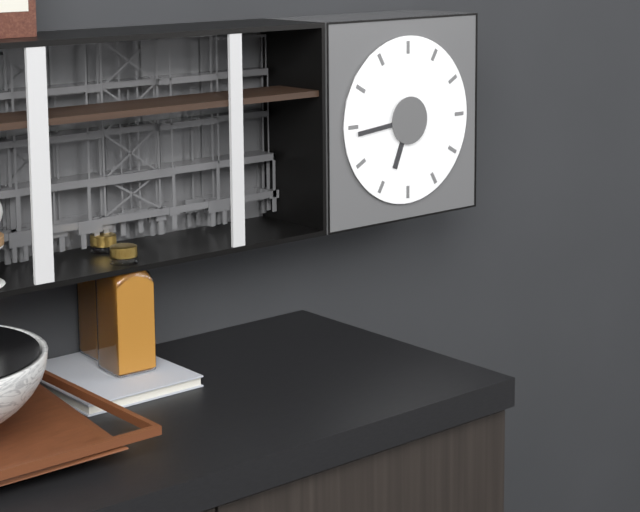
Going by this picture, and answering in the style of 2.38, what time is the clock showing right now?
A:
6.44
